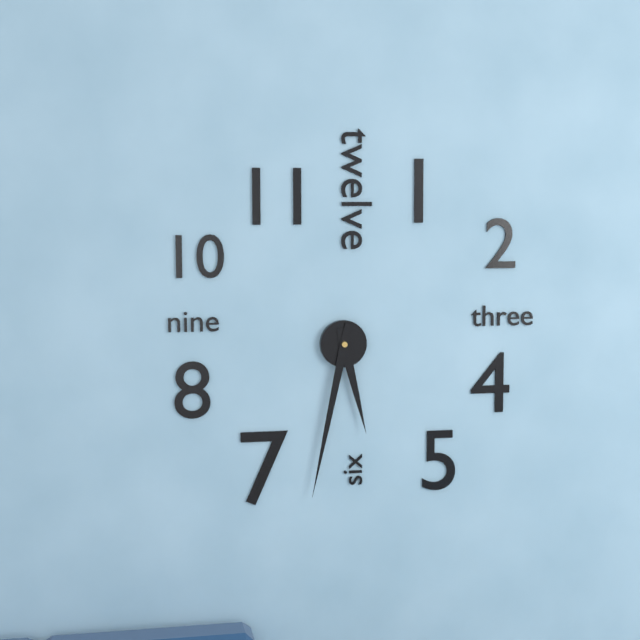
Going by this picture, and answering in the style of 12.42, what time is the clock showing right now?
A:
5.32
